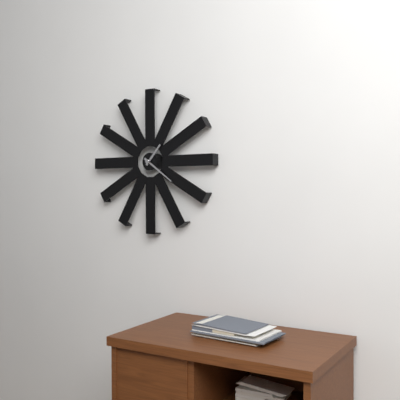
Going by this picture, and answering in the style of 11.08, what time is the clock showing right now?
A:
1.21
